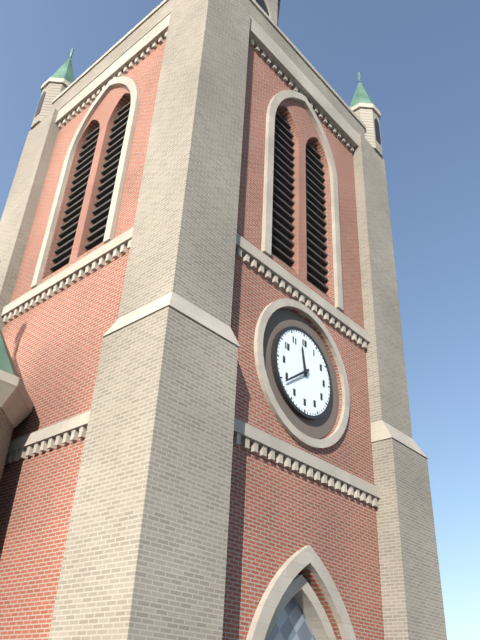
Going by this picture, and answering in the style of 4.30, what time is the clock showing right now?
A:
11.39
